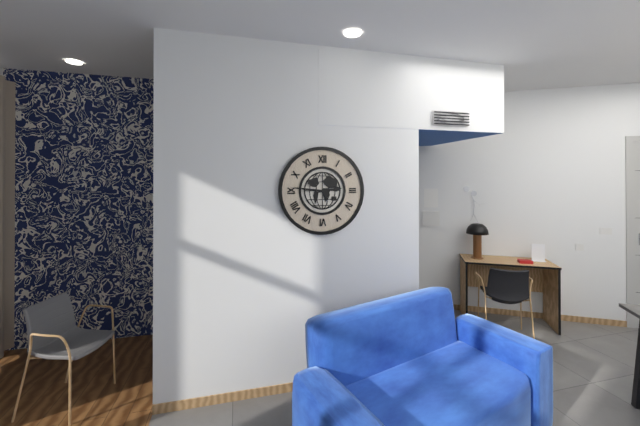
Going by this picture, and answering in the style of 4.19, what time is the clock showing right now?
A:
2.46
